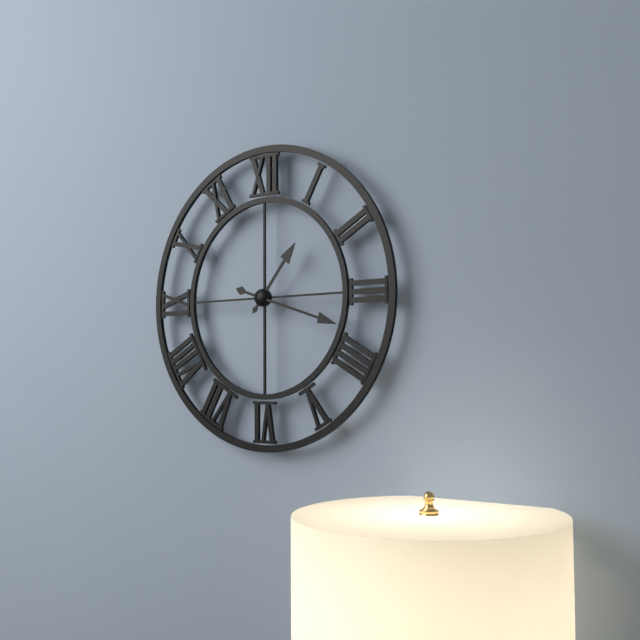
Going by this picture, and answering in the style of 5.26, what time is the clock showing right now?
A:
1.18
